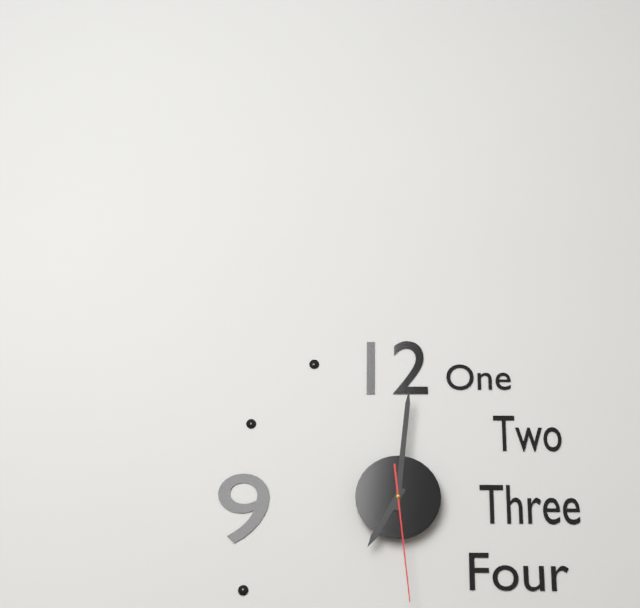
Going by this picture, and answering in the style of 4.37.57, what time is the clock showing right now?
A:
7.01.29
